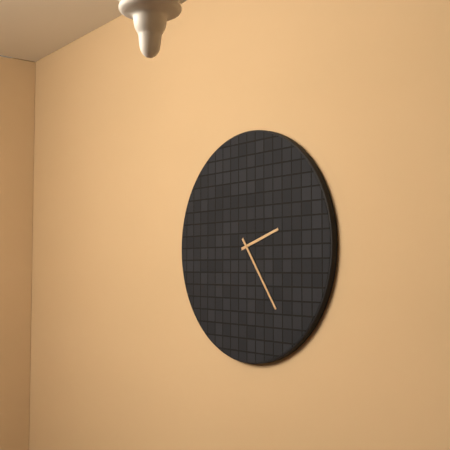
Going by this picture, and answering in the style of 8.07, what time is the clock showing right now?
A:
2.24
